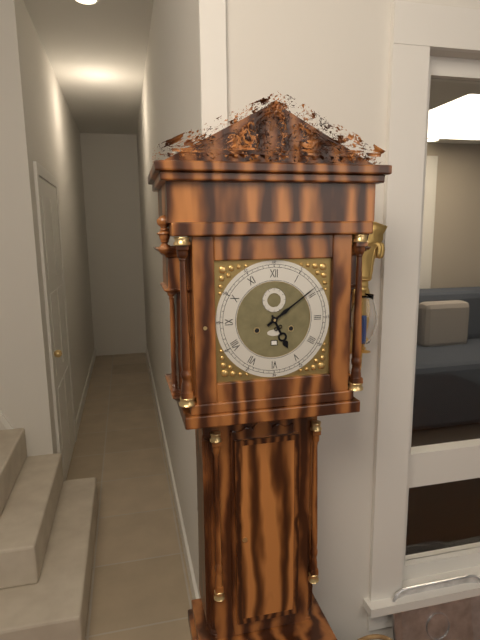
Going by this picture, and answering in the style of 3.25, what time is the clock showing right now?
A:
5.09
